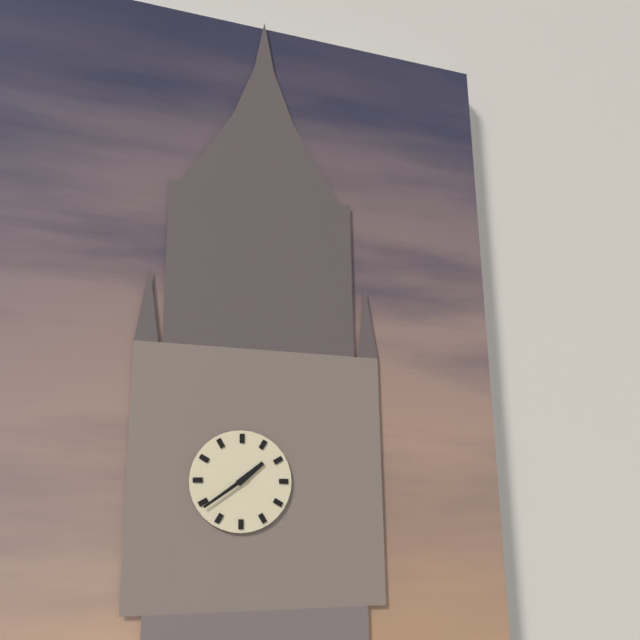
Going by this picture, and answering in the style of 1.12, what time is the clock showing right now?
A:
1.39
